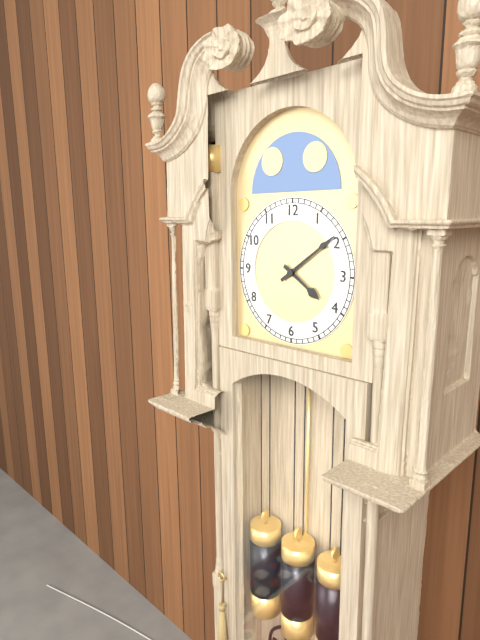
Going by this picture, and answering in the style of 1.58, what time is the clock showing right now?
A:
4.09
